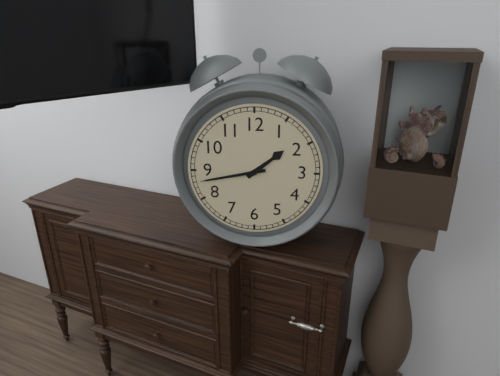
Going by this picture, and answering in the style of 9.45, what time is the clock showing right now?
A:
1.43
